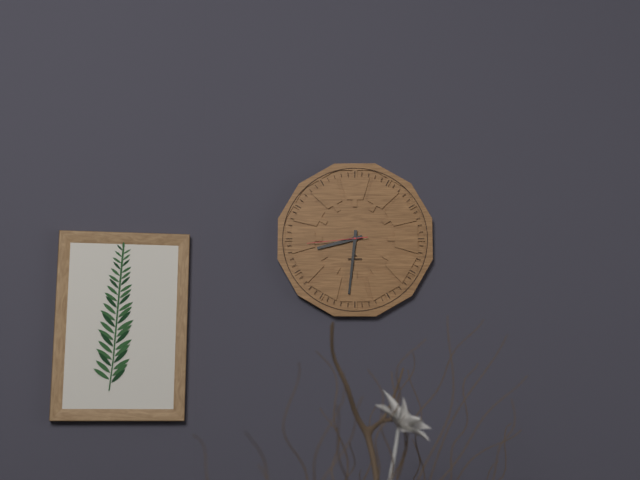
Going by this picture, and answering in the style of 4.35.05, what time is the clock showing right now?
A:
8.31.44
